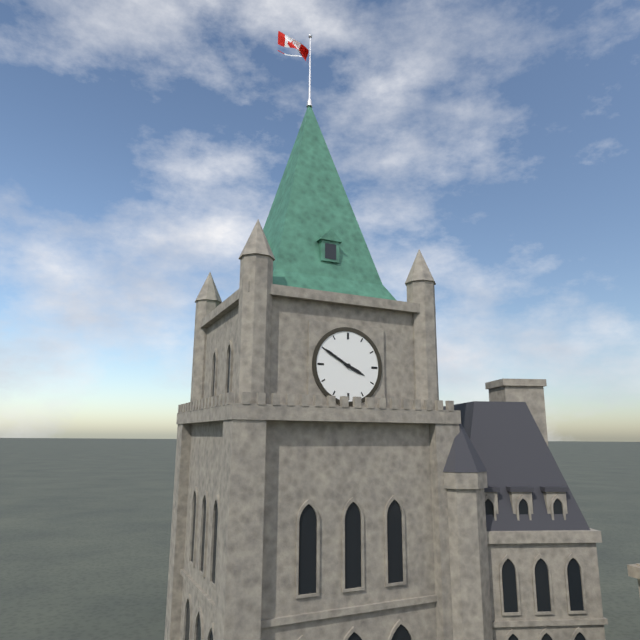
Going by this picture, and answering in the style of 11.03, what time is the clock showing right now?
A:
3.50
